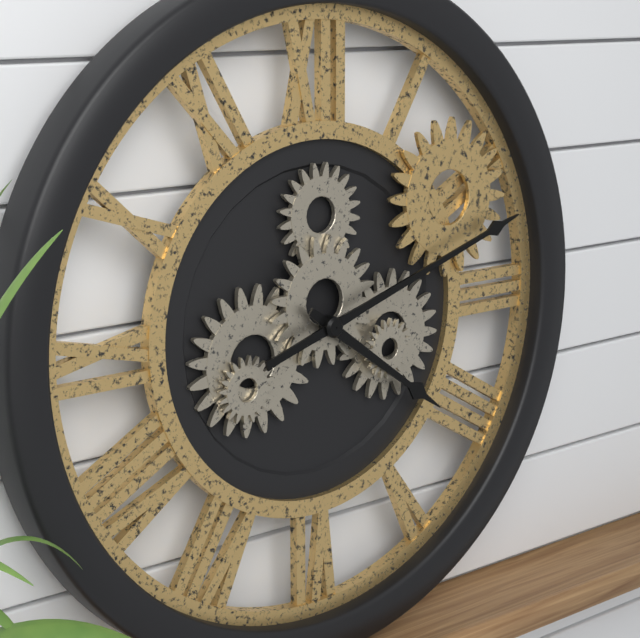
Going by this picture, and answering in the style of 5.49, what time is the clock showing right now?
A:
4.12
